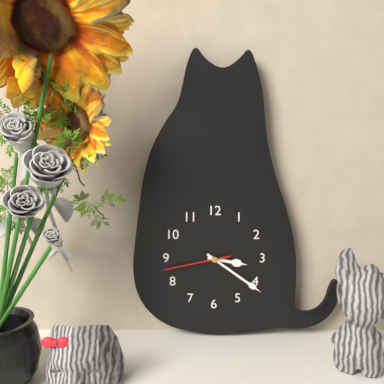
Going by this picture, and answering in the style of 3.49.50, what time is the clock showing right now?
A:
3.21.43
